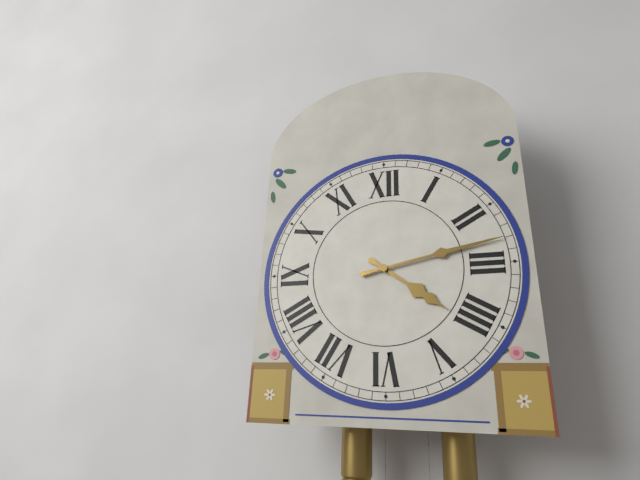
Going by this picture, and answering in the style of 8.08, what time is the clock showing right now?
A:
4.13
